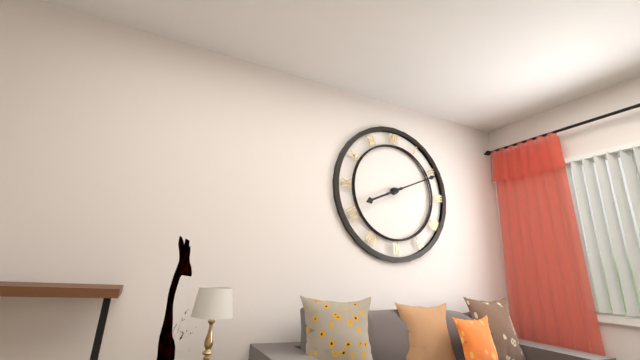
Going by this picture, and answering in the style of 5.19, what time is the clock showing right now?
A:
8.11
